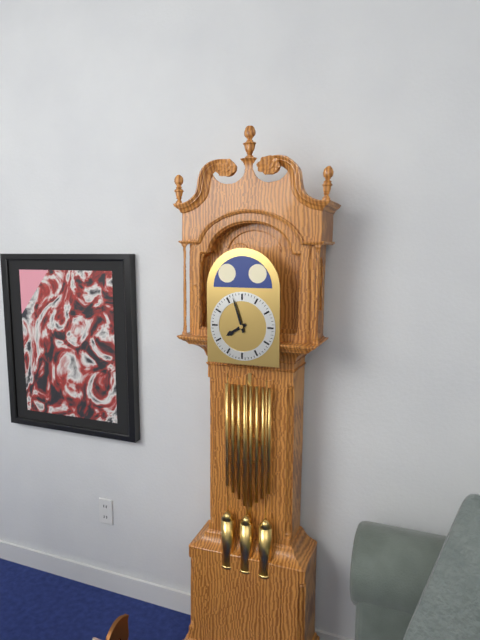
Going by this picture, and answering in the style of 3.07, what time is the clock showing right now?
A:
7.57
